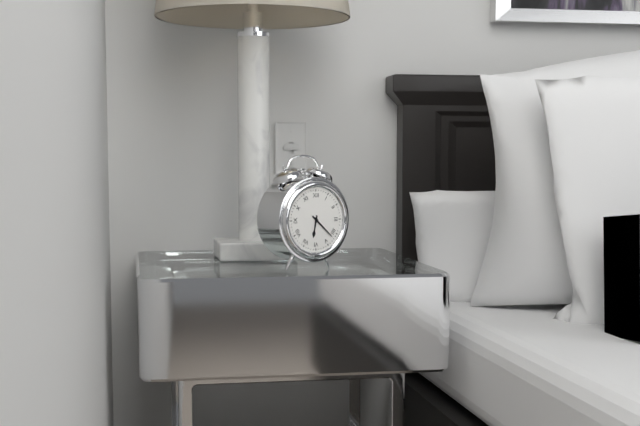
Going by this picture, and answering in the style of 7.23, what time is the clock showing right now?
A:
6.22
